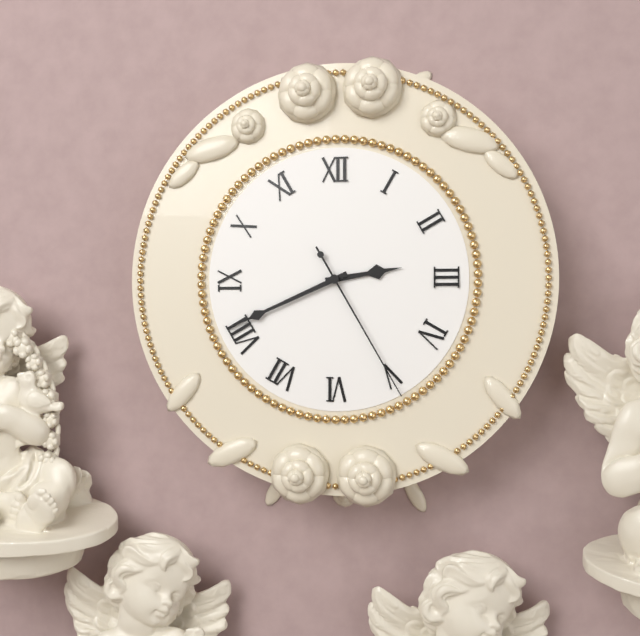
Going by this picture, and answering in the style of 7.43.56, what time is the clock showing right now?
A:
2.41.25
